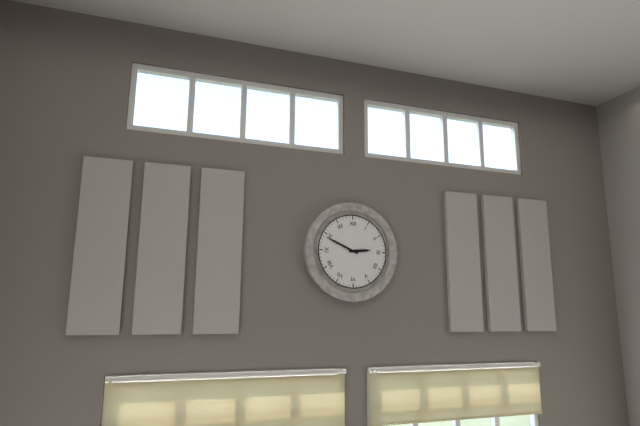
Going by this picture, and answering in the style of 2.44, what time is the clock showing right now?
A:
2.49
